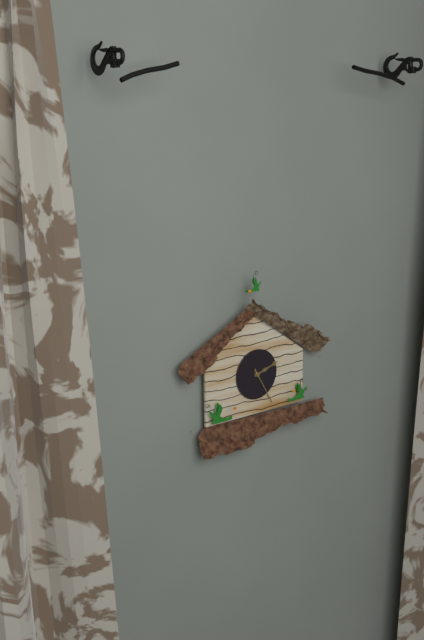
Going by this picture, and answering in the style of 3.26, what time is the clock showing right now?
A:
2.25
